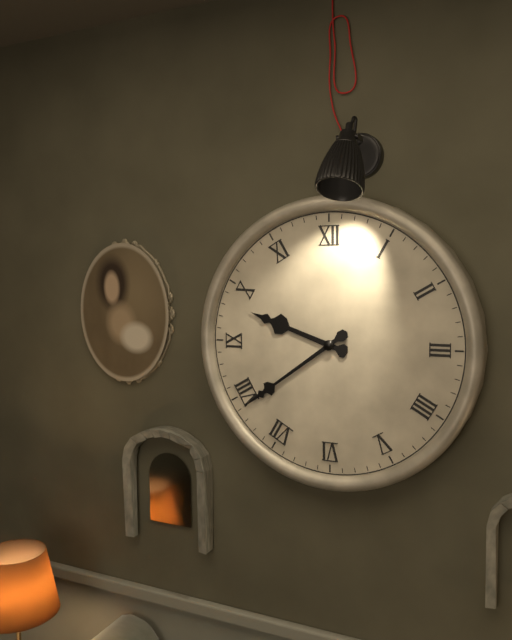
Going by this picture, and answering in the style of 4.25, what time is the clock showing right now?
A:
9.39
